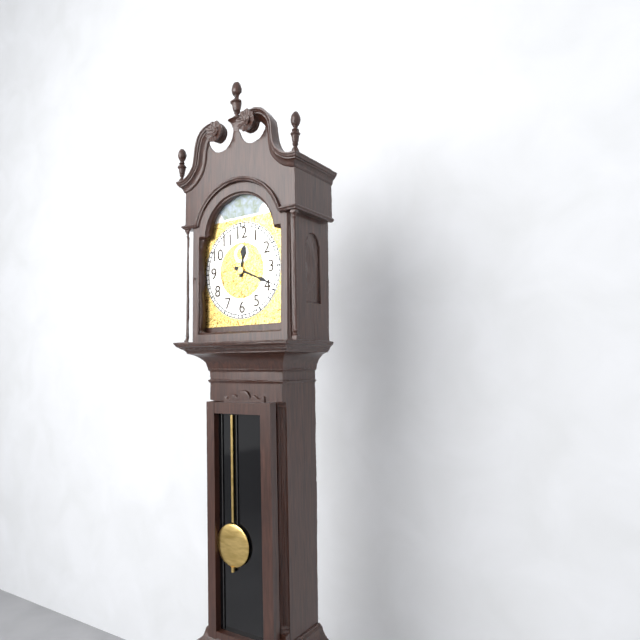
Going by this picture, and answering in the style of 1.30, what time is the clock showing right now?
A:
12.19
